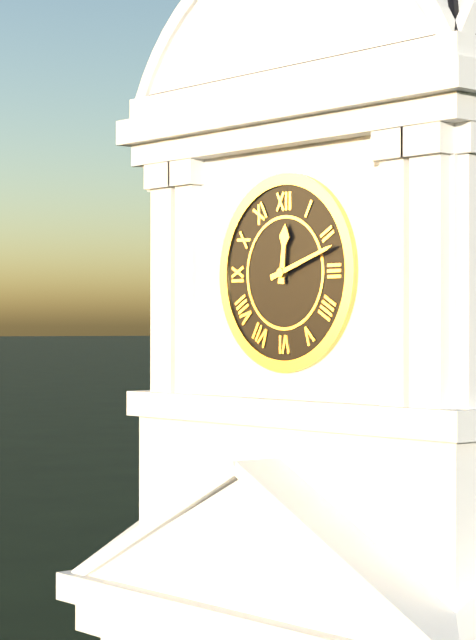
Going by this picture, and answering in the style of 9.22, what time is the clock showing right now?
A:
12.12
